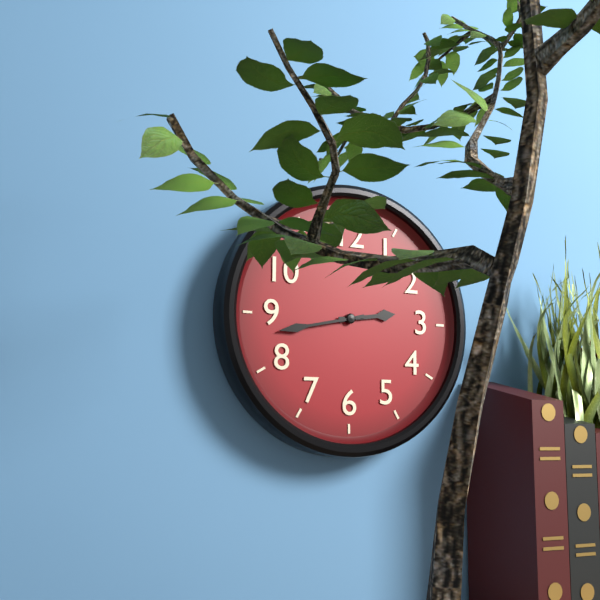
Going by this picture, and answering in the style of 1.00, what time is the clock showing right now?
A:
2.43
